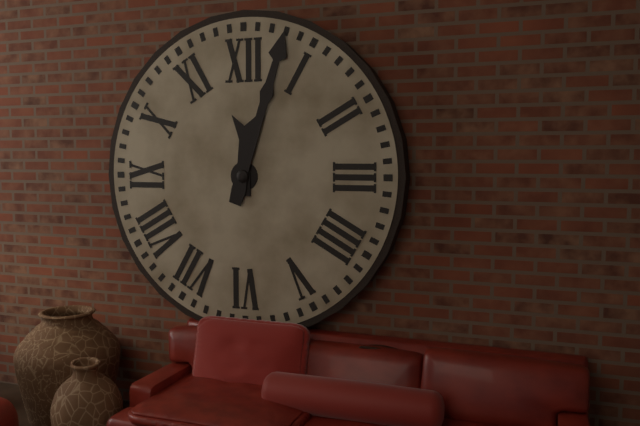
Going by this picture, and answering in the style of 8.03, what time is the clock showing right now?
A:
12.03
